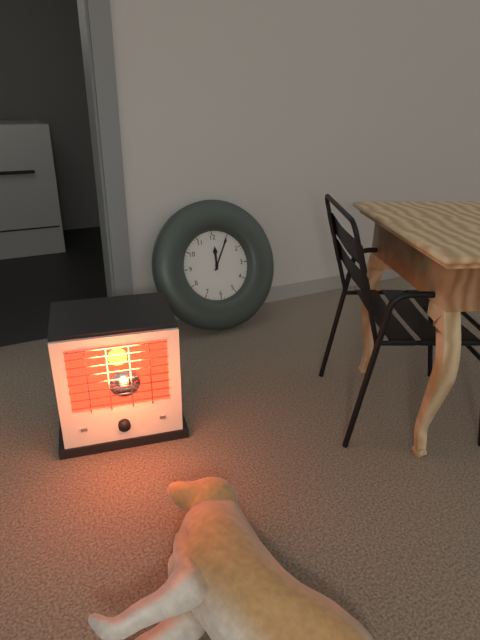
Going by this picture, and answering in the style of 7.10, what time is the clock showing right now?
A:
12.05
